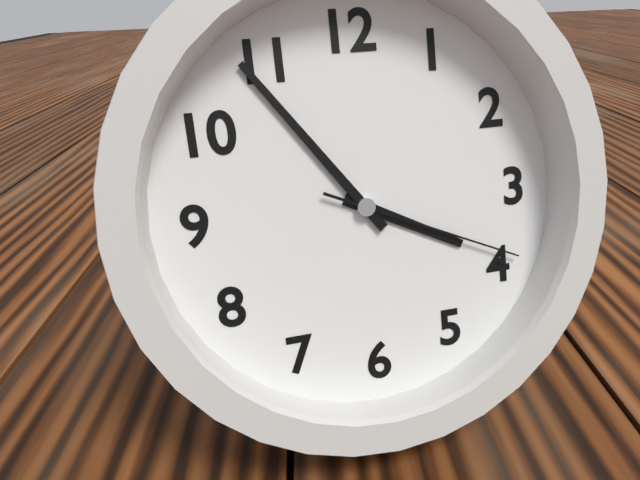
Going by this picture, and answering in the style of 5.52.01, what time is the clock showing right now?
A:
3.54.19
